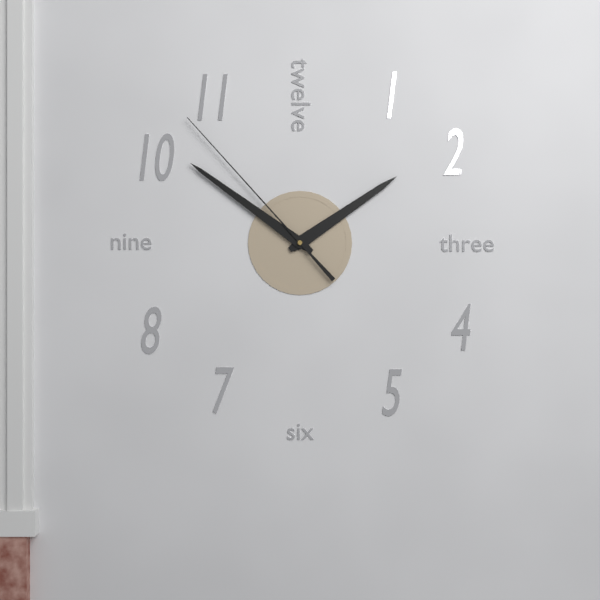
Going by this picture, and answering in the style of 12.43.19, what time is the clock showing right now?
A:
1.51.53
